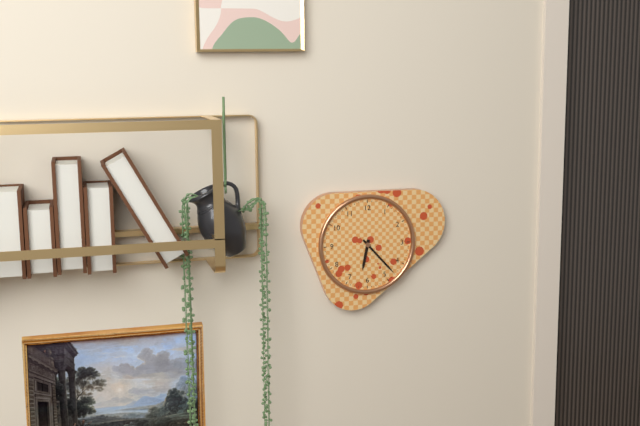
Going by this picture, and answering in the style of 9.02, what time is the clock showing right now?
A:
6.23
